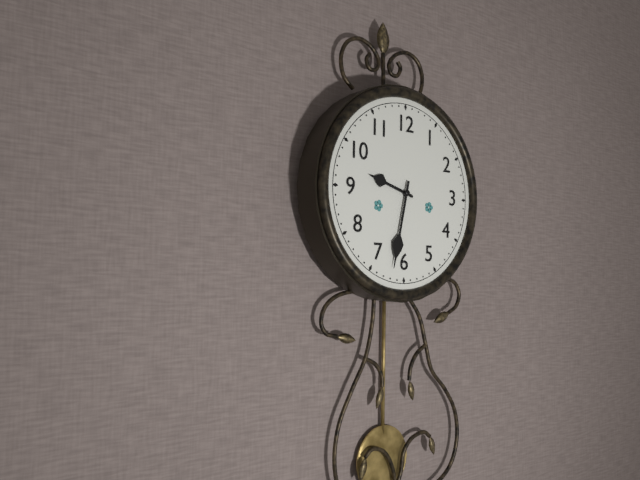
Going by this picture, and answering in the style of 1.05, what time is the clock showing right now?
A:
9.32
